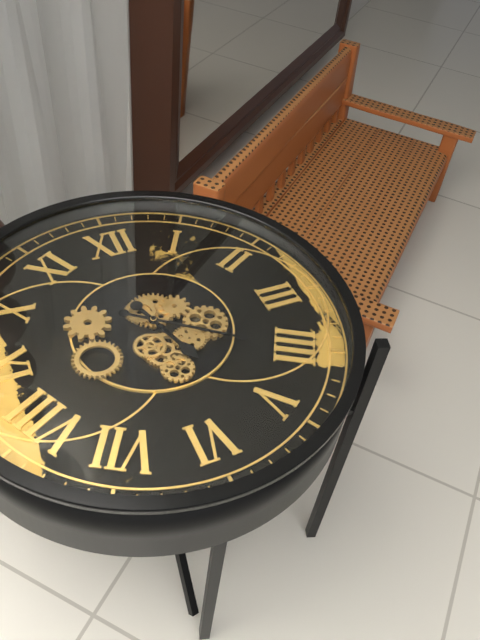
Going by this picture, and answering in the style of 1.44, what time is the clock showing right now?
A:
5.21
